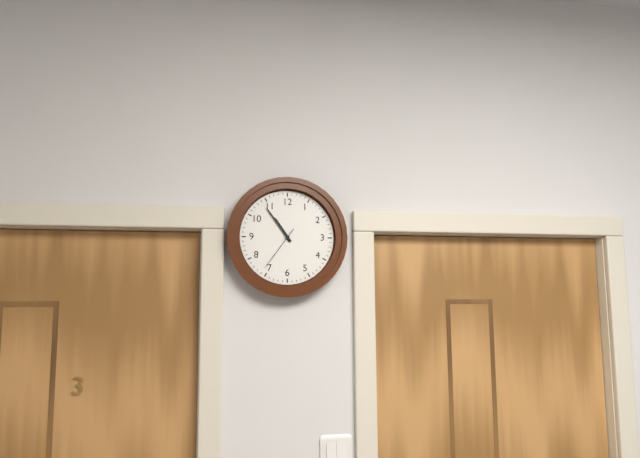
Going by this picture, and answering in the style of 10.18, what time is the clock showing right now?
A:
10.54
